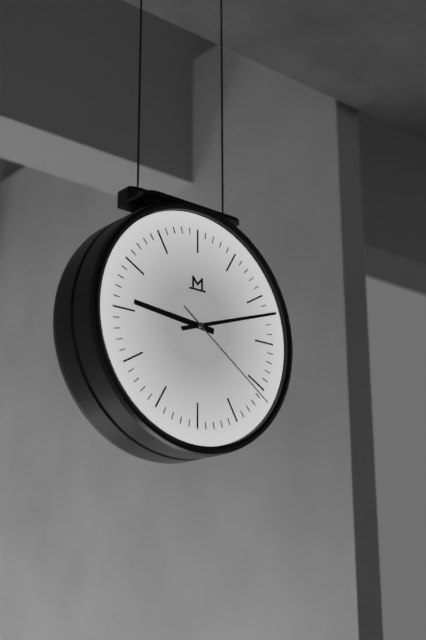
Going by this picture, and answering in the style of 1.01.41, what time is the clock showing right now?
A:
9.12.21
